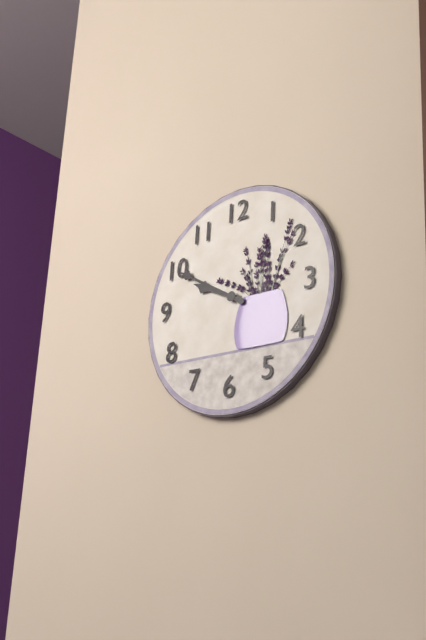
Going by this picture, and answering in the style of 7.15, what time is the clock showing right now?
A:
9.50
